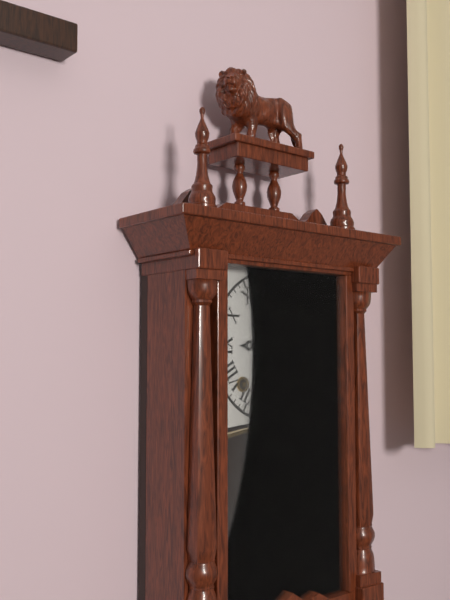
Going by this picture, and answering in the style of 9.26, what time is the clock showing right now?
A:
9.01
